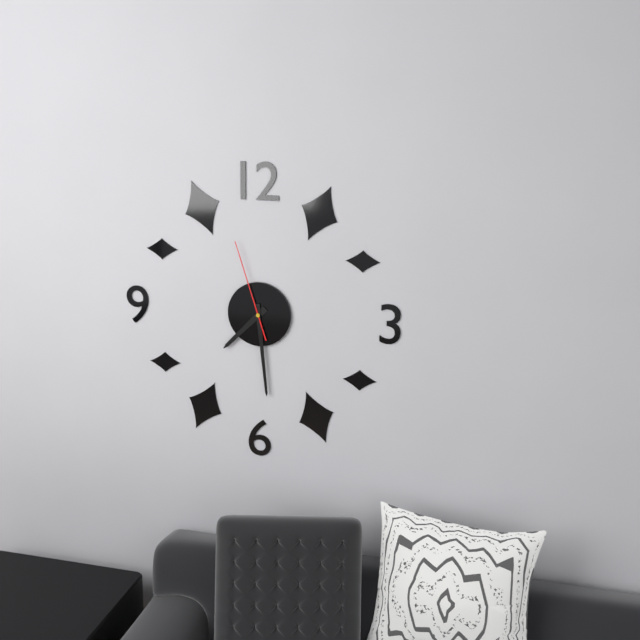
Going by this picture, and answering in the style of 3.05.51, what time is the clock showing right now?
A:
7.29.57
